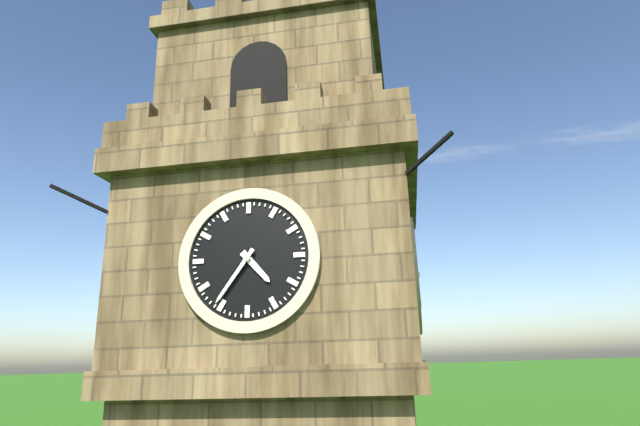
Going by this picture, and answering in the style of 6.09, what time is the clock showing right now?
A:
4.36
